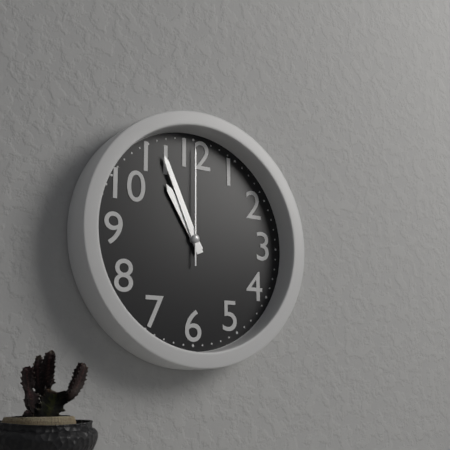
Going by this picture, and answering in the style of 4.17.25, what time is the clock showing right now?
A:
10.56.00
